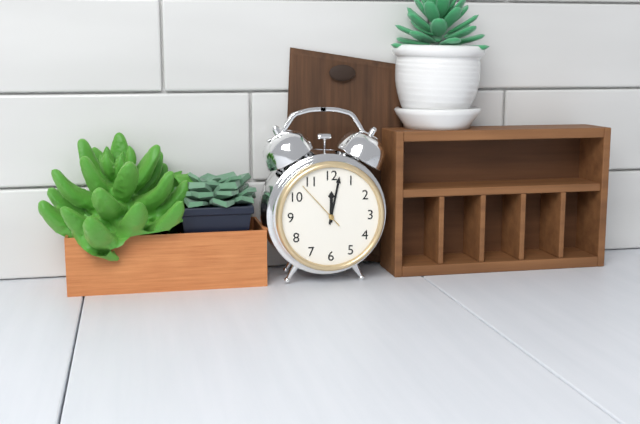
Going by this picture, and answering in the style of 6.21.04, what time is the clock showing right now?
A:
12.02.53
